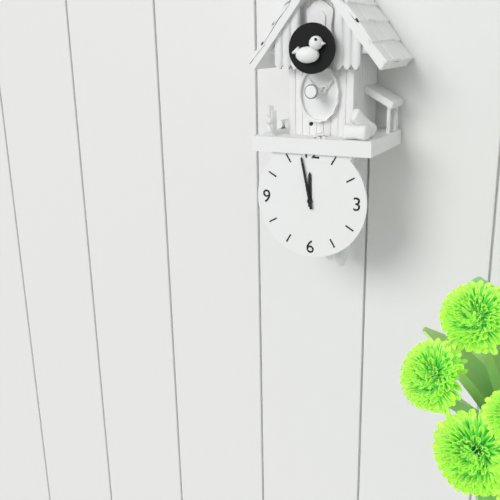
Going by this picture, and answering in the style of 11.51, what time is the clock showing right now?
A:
11.58
